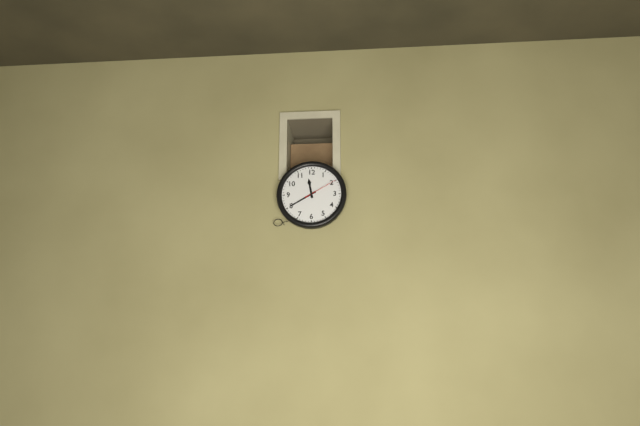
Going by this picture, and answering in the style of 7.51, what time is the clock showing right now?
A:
11.40
